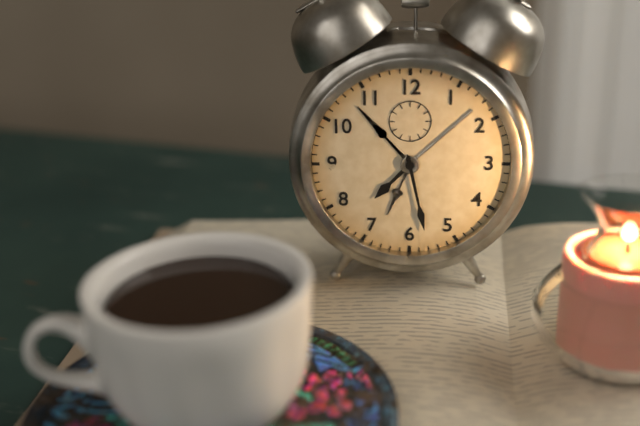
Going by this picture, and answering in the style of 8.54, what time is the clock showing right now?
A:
7.28
